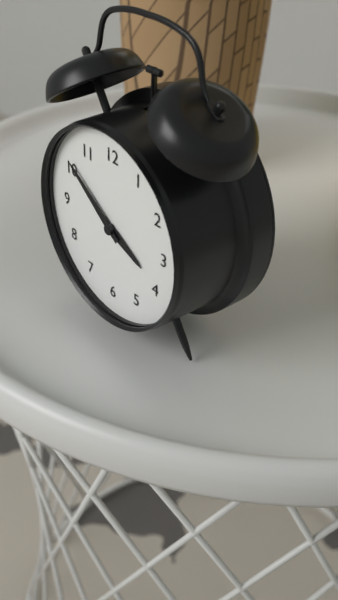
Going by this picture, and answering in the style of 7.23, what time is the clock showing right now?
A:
3.51
